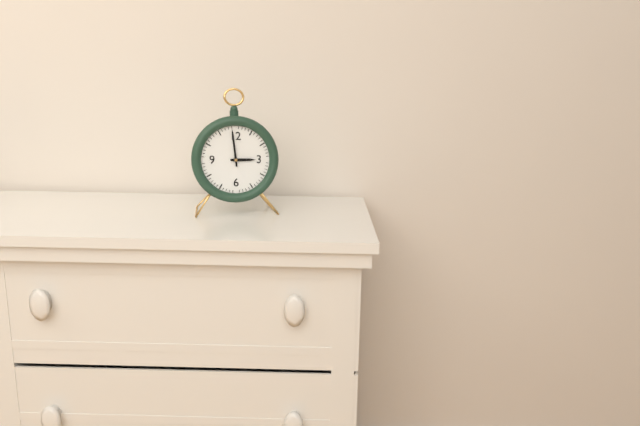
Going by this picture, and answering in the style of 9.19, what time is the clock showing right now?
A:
2.59
